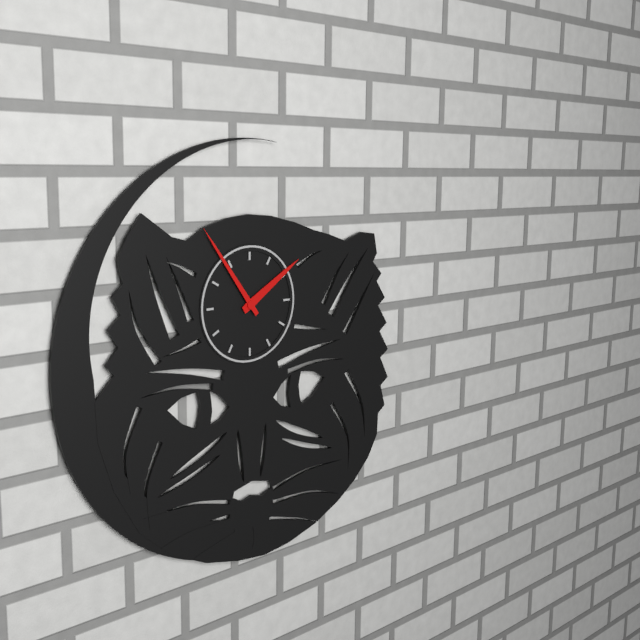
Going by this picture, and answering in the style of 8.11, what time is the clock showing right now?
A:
1.54
